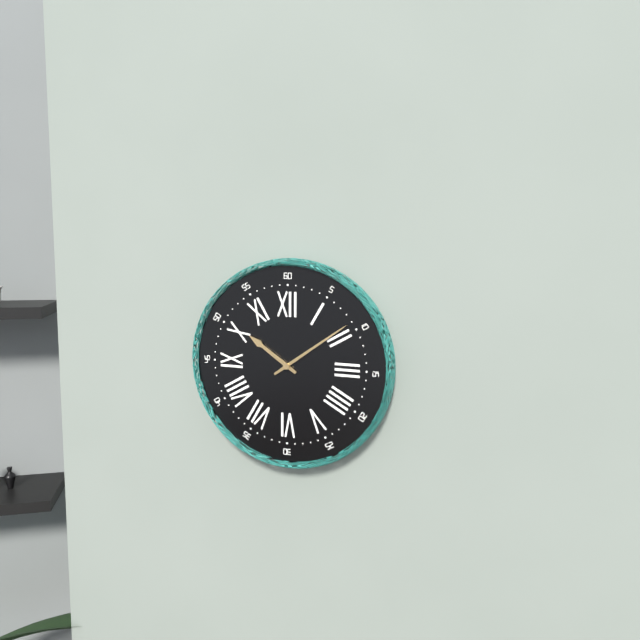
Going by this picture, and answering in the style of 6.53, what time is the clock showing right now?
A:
10.09
